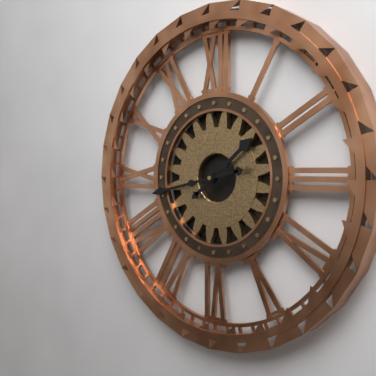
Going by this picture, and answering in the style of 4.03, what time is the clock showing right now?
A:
1.43
